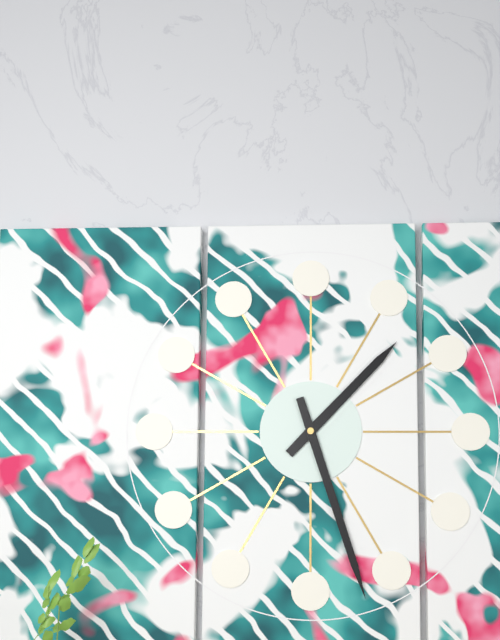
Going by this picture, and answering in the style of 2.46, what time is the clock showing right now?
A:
1.27
